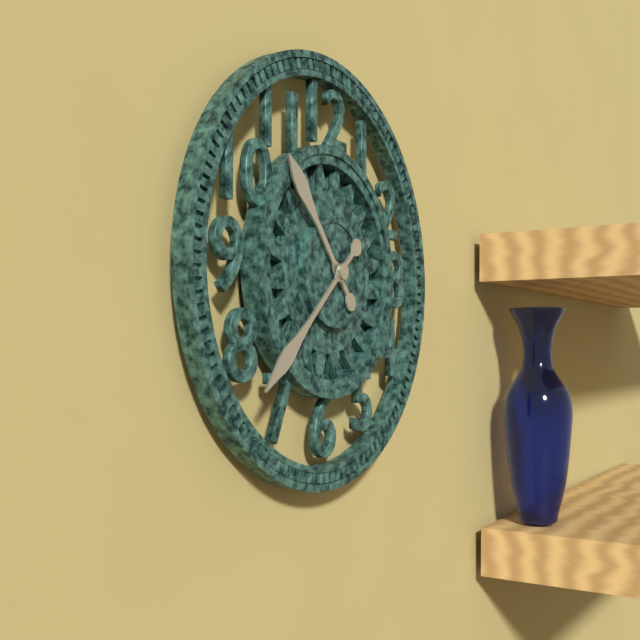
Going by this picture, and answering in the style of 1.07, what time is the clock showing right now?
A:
10.38
